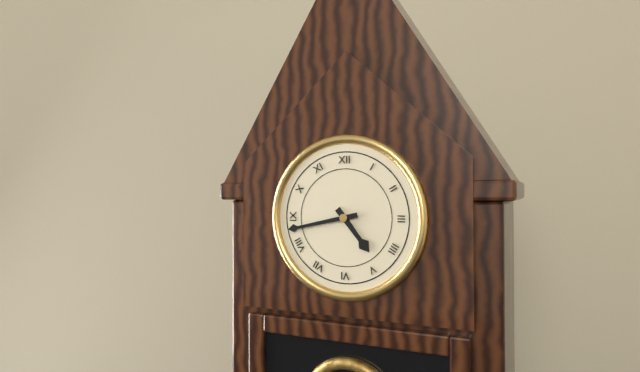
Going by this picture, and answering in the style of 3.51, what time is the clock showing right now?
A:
4.43
